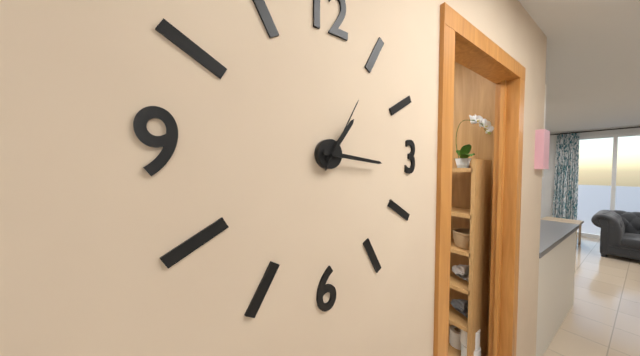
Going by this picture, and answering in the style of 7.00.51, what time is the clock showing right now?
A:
1.16.05
